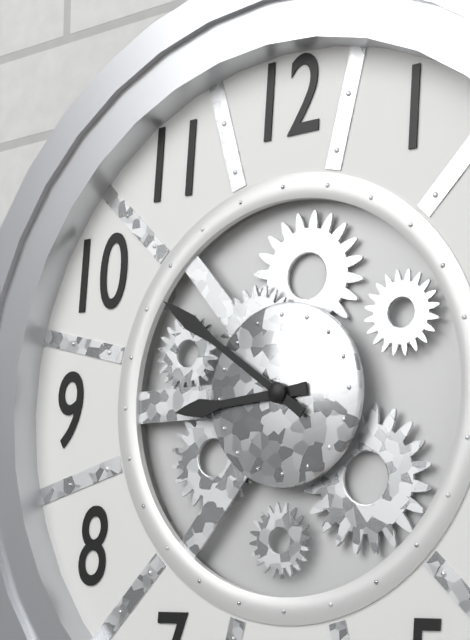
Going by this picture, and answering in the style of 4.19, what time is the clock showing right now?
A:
8.51
